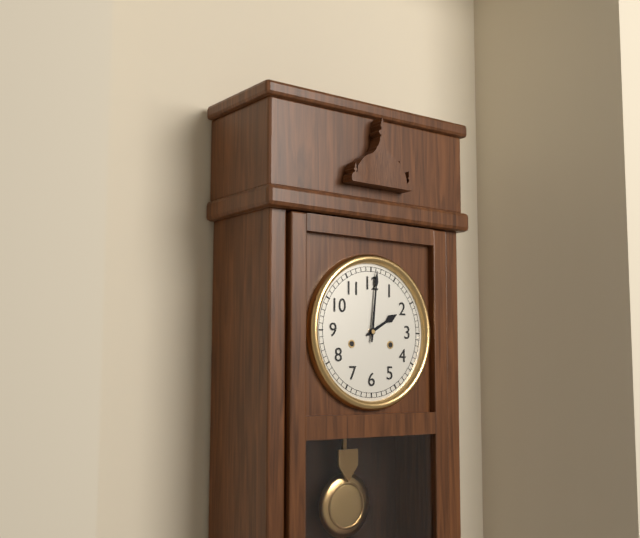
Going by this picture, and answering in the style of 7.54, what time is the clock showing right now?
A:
2.01
